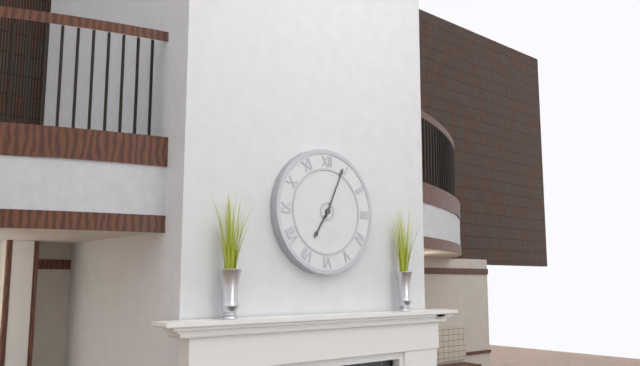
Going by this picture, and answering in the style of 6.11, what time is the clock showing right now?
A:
7.04
